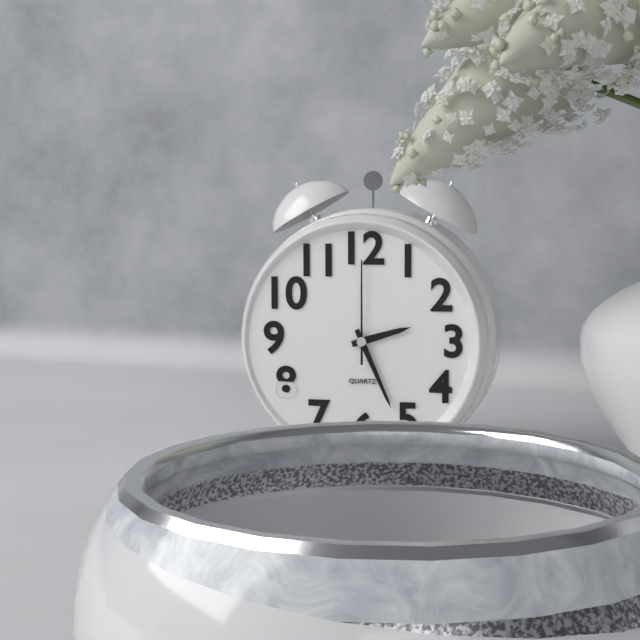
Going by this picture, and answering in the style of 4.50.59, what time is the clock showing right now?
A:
2.26.00
